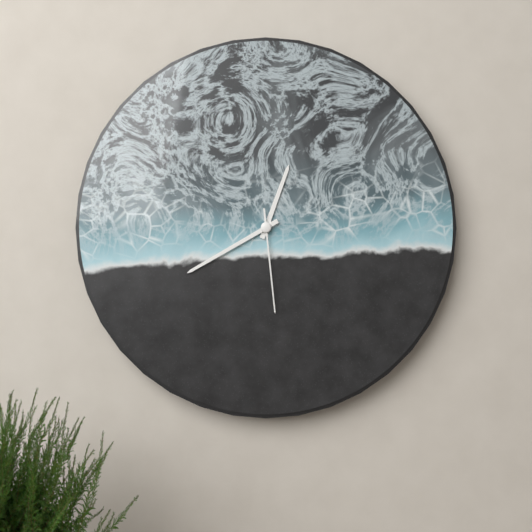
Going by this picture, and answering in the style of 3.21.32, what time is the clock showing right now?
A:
12.40.29
